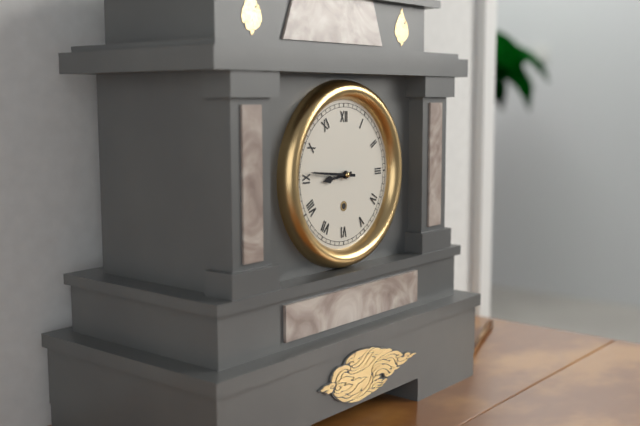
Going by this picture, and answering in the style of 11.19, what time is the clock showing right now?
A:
8.46
